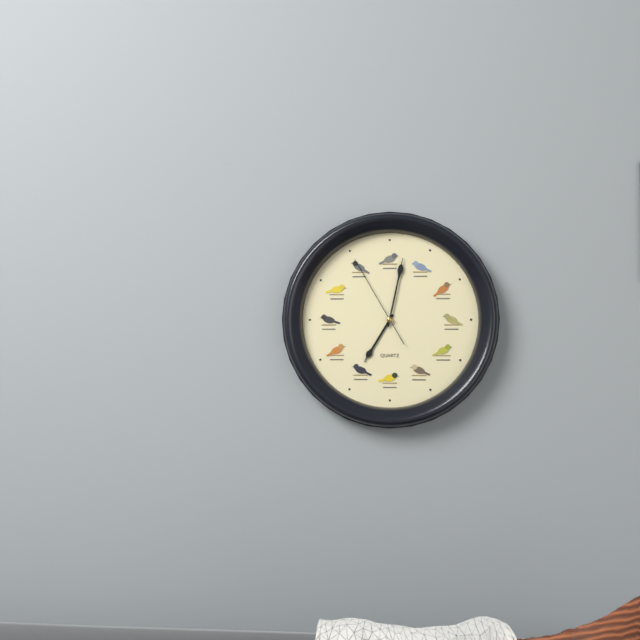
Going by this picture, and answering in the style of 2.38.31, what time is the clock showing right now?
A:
7.02.55
